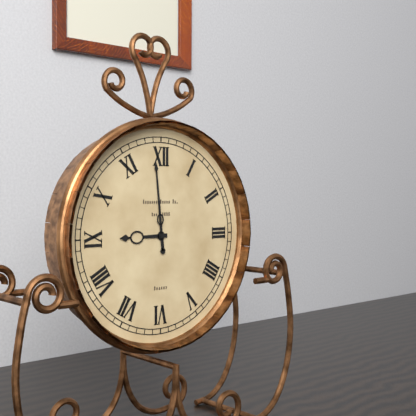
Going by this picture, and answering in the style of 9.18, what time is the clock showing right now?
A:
8.59
